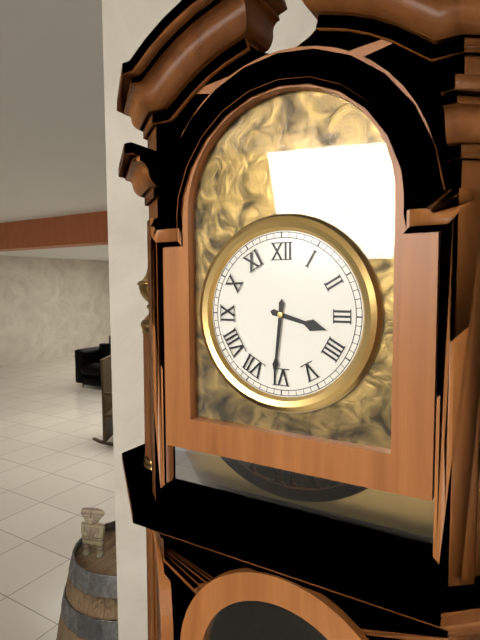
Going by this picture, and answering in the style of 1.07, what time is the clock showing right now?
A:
3.31
